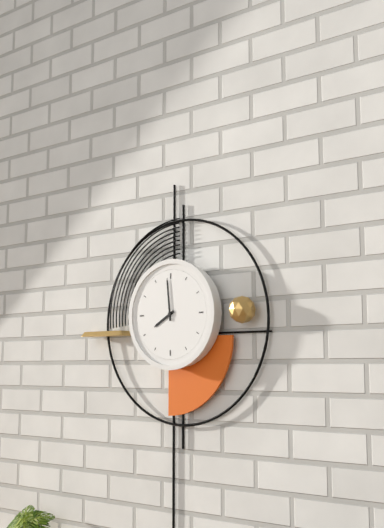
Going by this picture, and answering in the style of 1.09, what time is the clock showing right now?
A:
7.59
